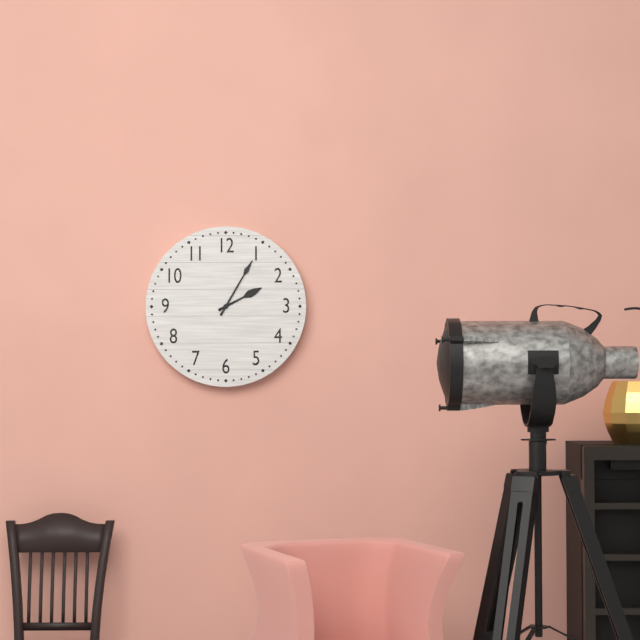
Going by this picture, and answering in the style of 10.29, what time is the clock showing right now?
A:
2.05
